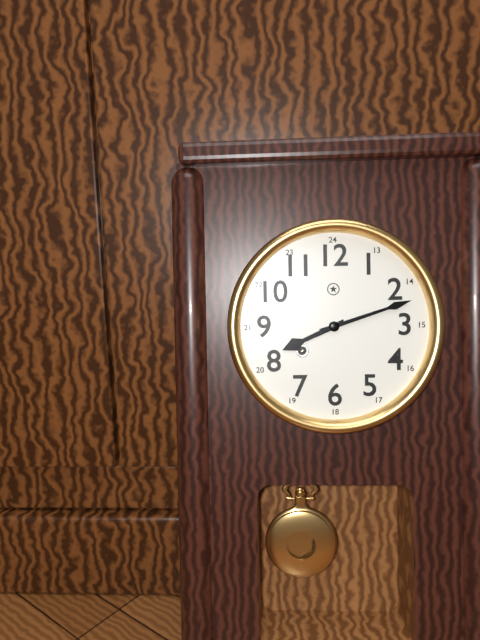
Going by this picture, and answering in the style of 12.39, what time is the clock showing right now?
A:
8.12
